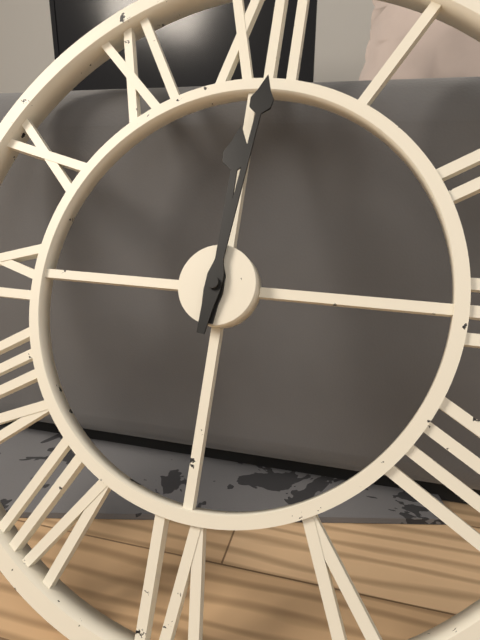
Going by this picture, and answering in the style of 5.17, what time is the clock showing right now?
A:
12.01
